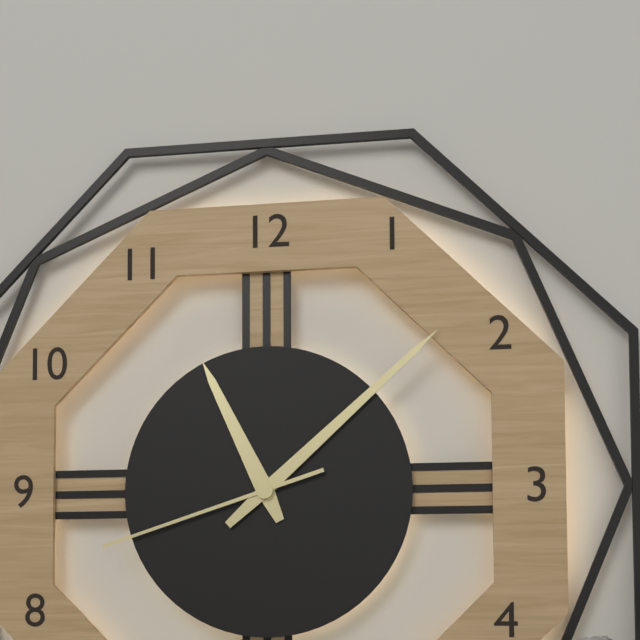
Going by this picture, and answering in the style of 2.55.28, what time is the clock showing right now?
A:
11.08.42
